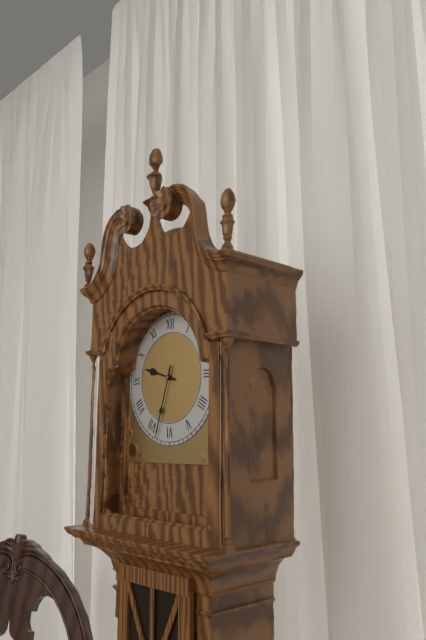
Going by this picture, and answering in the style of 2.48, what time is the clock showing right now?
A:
9.33
